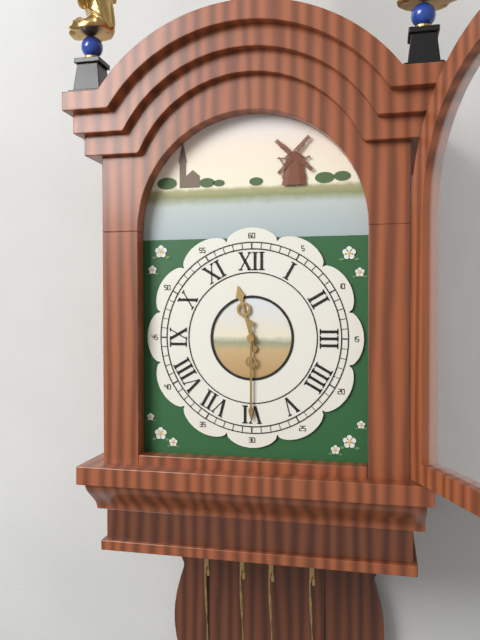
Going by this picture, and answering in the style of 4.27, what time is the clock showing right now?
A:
11.30
